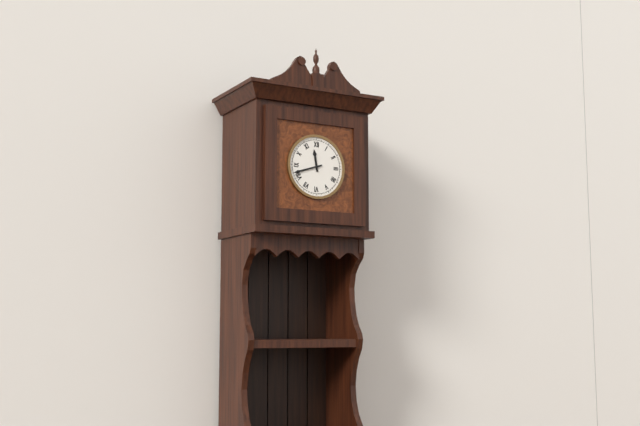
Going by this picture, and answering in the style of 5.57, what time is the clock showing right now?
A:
11.42
